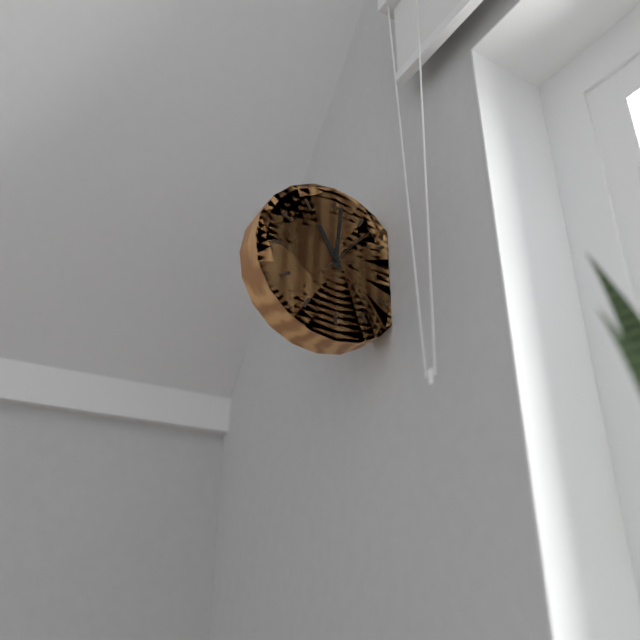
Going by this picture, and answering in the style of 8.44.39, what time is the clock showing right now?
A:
11.01.07
